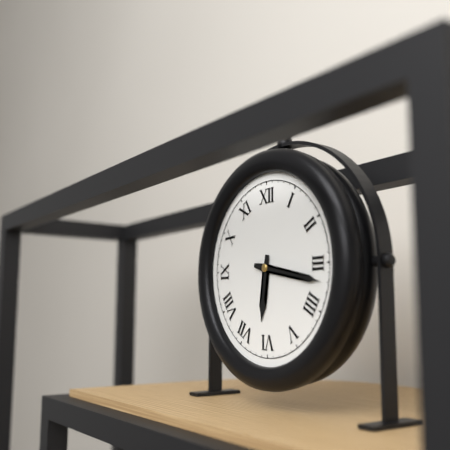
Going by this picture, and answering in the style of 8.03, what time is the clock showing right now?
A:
6.17
